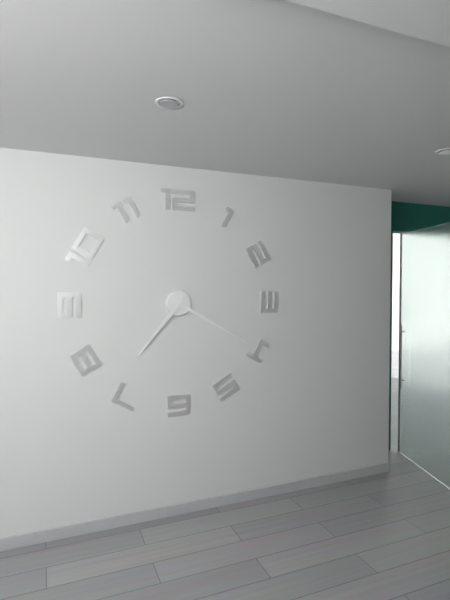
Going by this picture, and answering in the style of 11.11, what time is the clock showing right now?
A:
7.20
